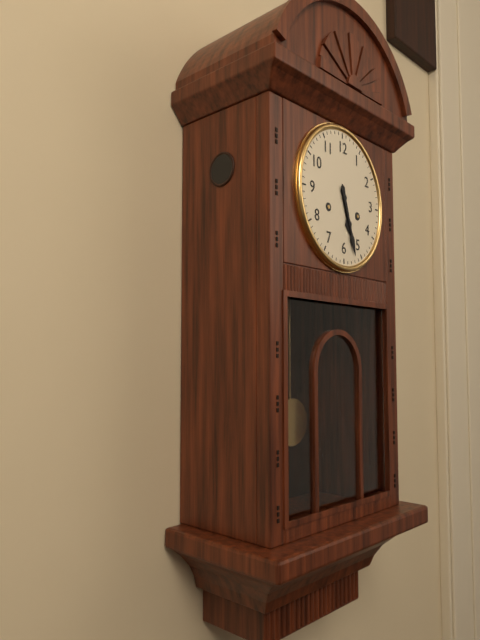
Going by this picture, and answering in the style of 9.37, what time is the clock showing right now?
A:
5.27
